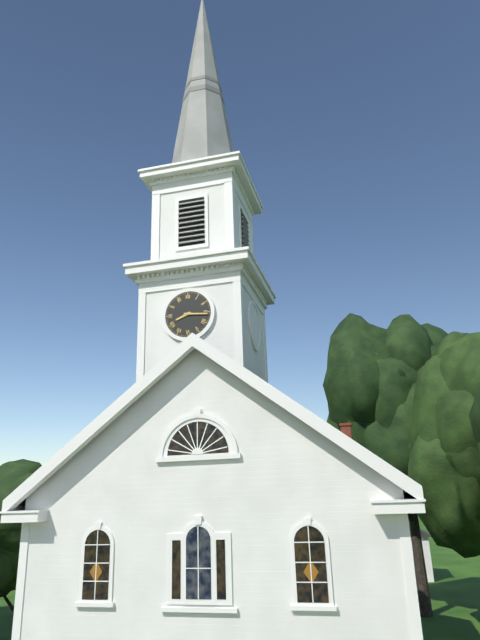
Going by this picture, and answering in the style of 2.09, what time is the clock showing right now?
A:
8.16
